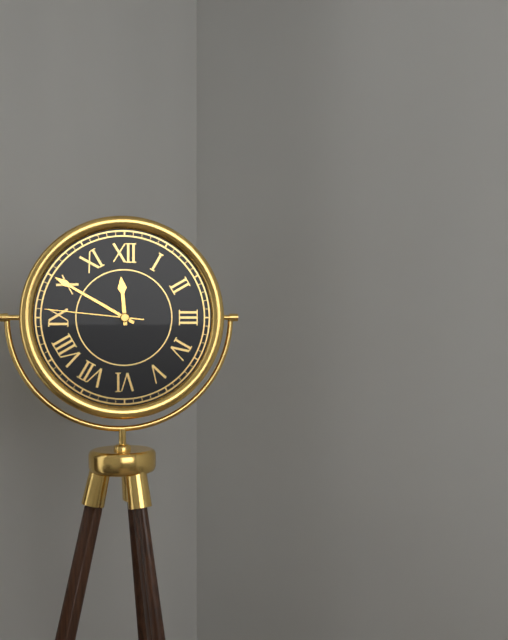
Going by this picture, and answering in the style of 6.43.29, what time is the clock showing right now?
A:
11.50.46
